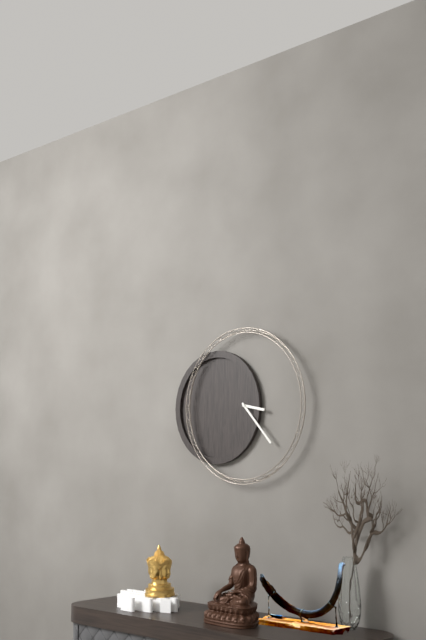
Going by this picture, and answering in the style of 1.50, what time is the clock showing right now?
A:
3.23
